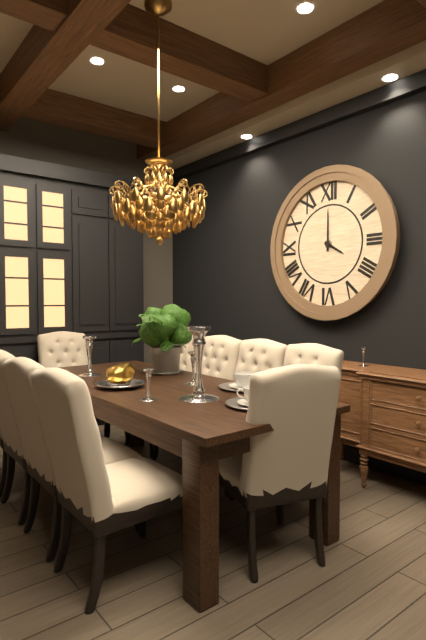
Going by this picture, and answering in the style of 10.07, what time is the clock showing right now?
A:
4.00
